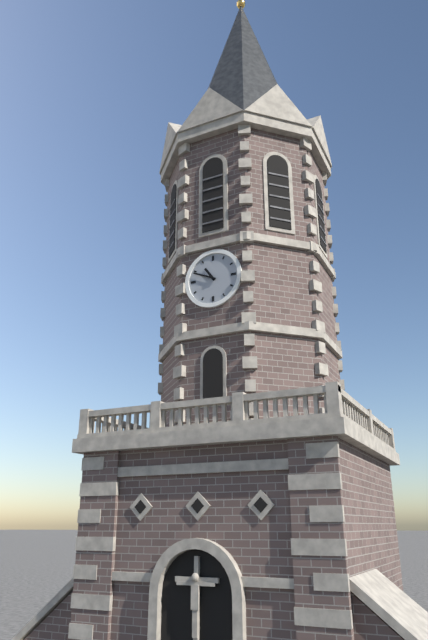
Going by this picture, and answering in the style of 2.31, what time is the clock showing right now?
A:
10.49
